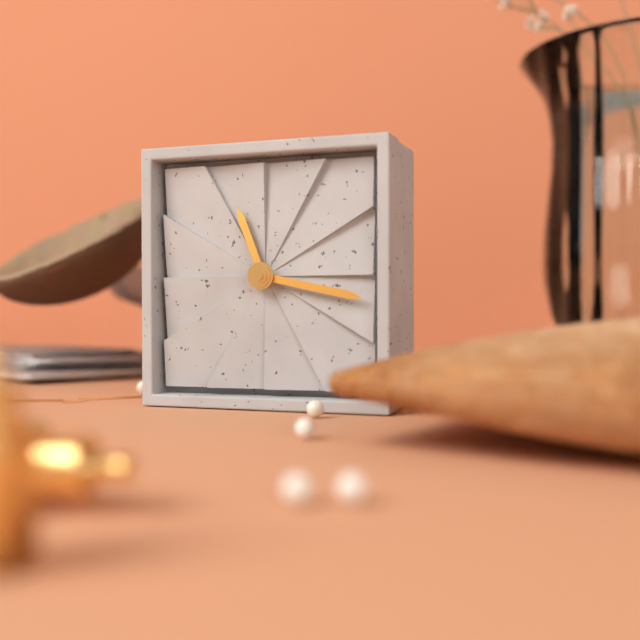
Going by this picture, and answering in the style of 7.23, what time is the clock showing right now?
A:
11.17
